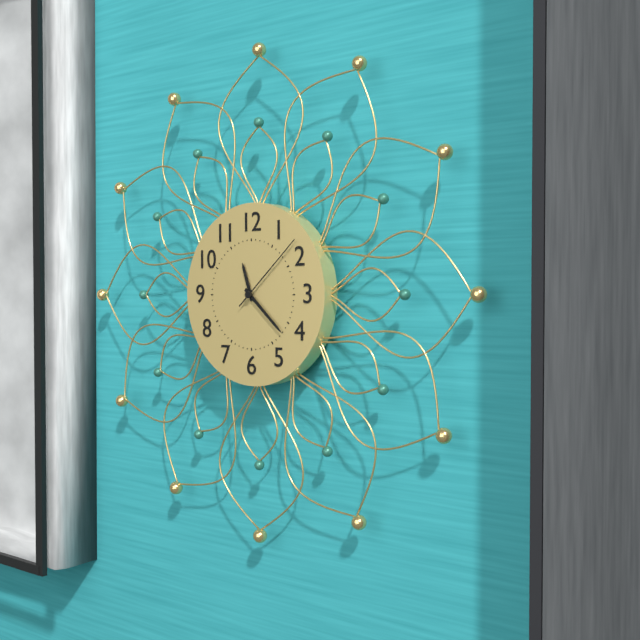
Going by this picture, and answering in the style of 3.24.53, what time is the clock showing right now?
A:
11.22.08
